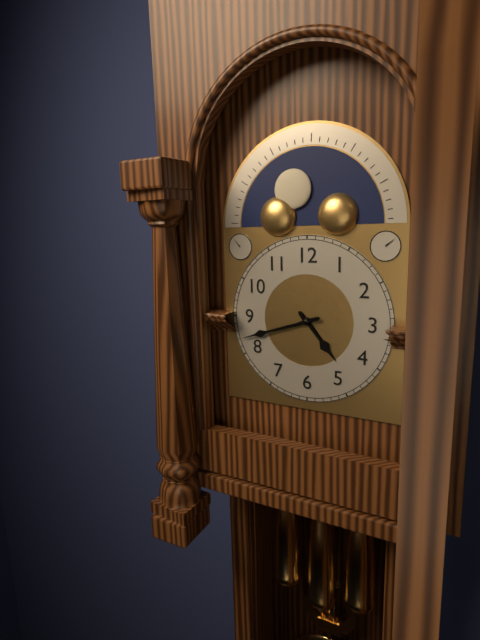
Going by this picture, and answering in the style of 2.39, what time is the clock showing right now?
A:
4.42
